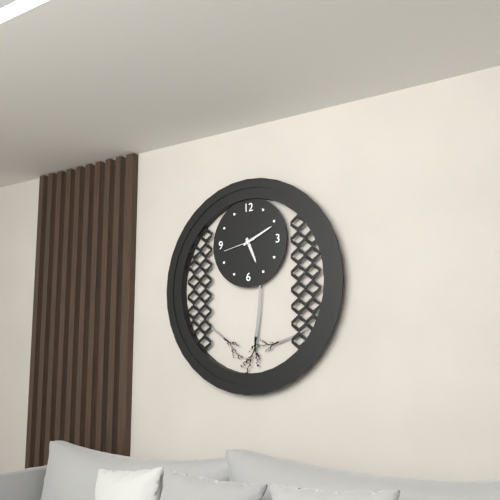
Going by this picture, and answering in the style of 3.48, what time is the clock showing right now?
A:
5.11
